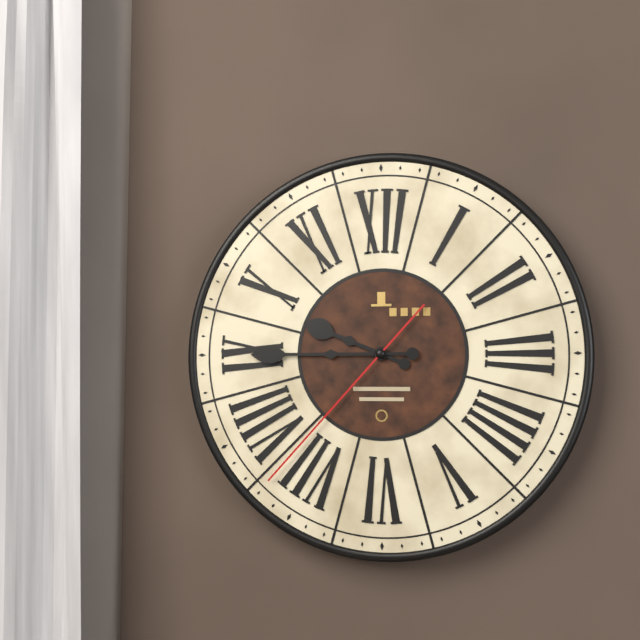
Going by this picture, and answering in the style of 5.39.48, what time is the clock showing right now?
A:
9.45.37
